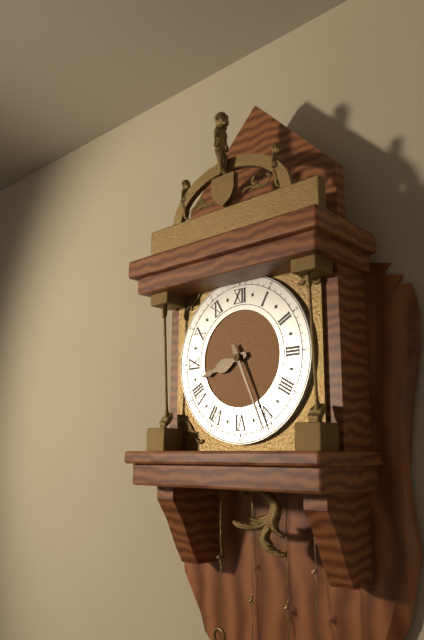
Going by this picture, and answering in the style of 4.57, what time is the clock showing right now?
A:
8.26
